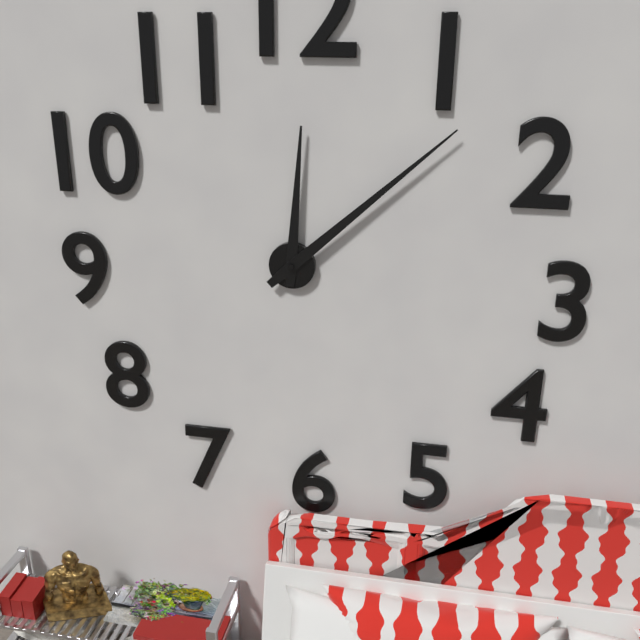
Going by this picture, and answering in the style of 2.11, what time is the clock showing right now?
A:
12.08
